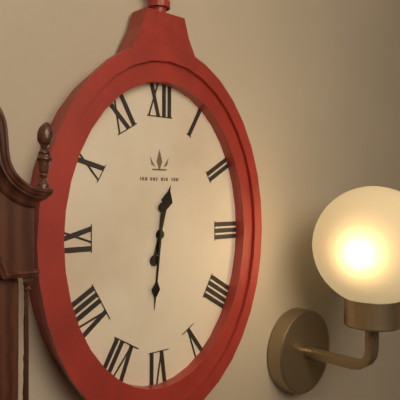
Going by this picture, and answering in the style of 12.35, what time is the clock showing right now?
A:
12.31
